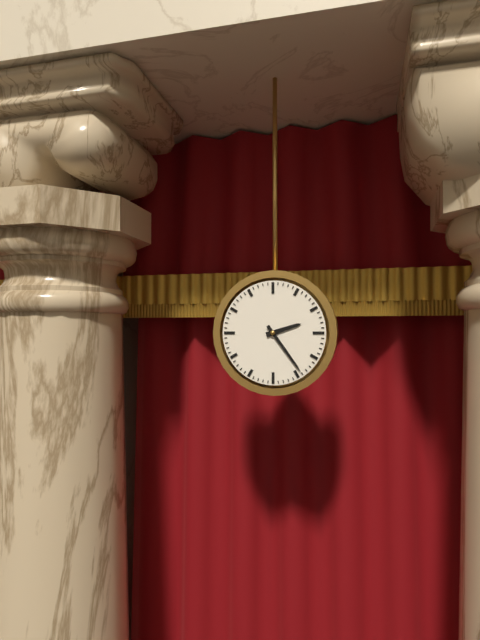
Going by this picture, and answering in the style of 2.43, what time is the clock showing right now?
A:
2.24
